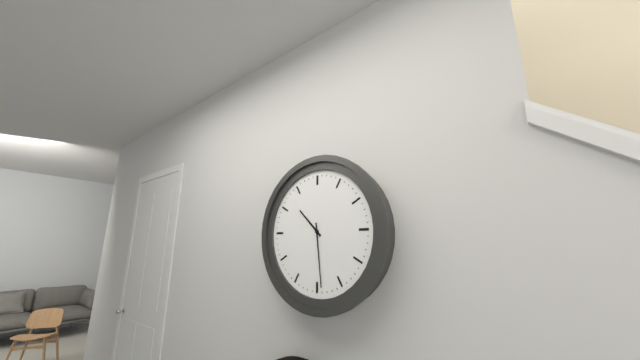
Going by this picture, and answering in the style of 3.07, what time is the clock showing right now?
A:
10.29
